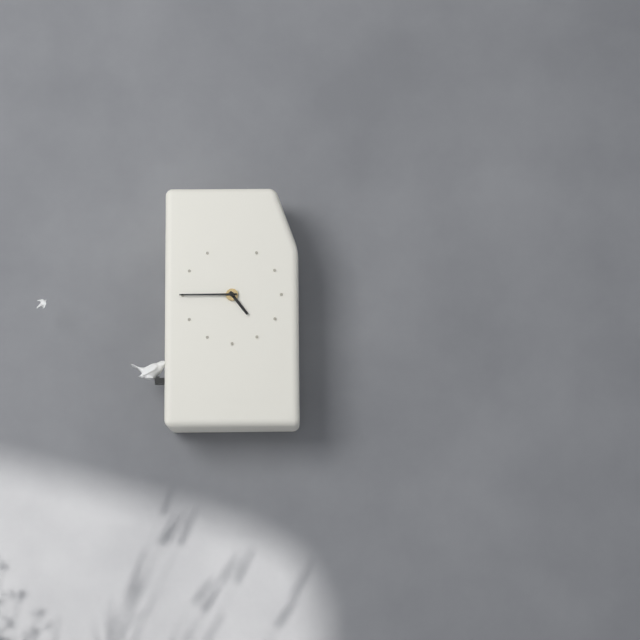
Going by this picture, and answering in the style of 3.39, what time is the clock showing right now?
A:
4.45
